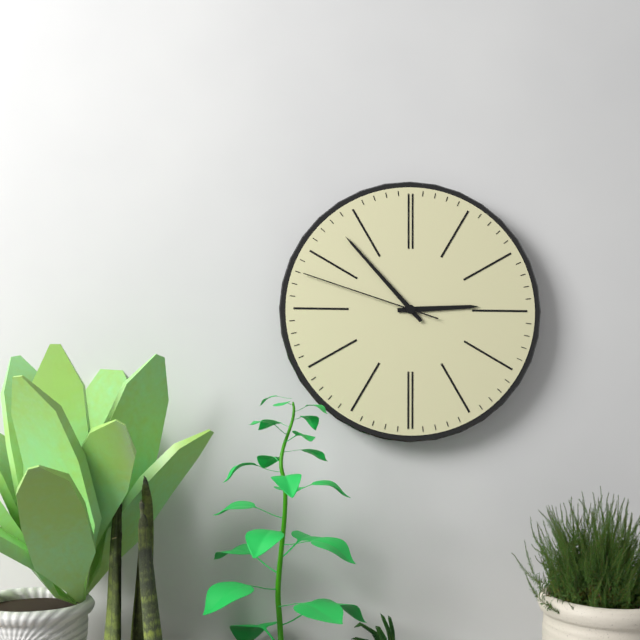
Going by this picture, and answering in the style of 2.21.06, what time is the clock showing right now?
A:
2.53.48
